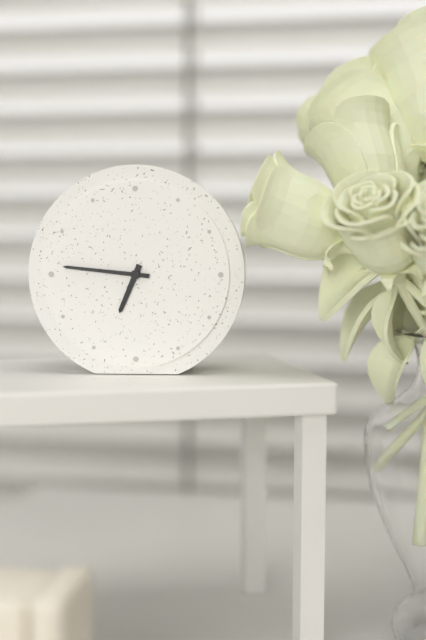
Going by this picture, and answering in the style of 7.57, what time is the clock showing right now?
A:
6.46
